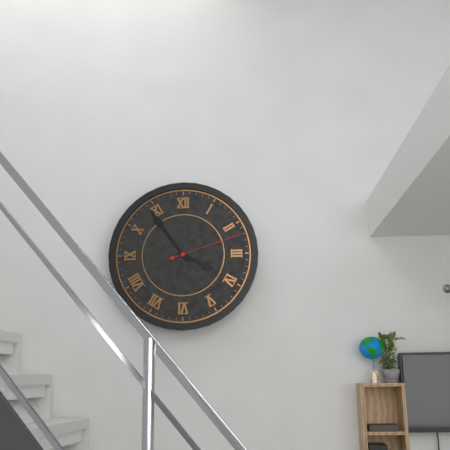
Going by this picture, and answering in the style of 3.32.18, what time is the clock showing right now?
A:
3.54.12
